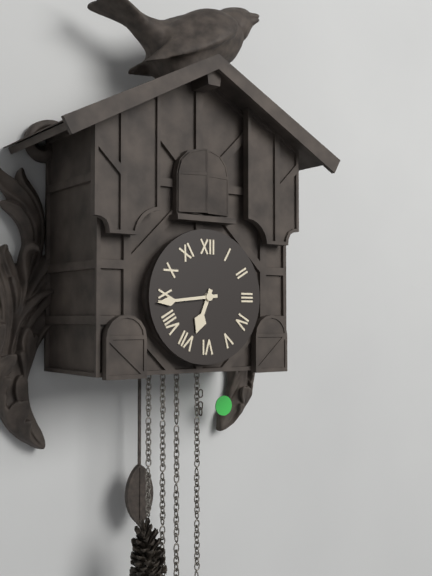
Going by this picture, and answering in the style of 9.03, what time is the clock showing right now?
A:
6.44
